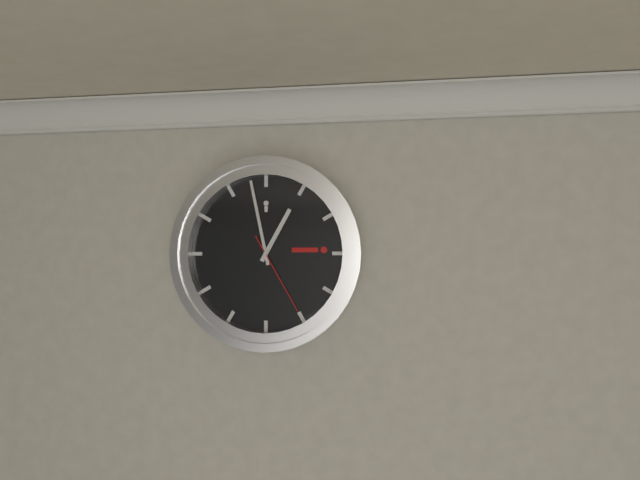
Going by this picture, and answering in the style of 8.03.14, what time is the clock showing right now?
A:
12.58.25
